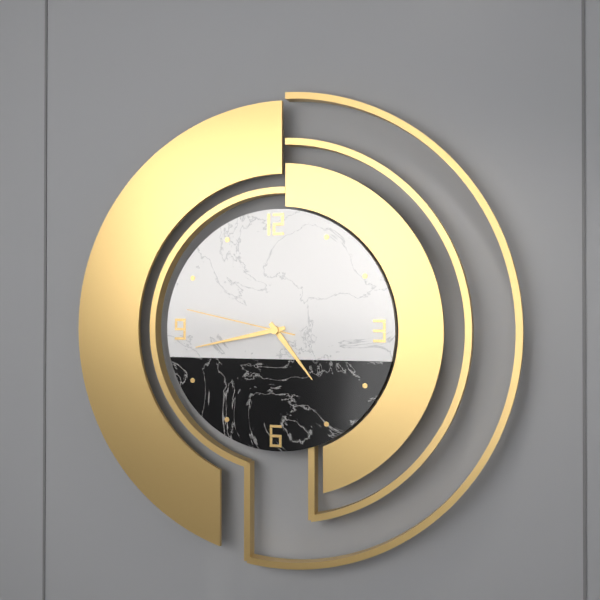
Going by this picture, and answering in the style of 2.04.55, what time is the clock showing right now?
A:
4.43.47
